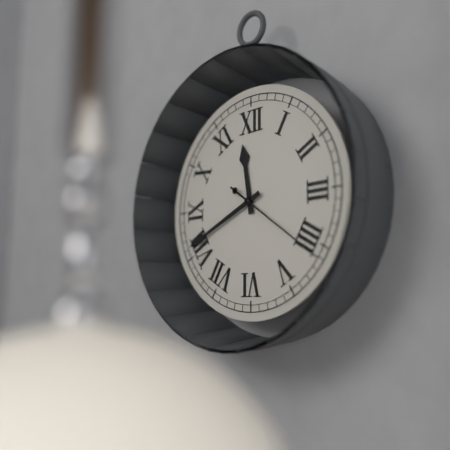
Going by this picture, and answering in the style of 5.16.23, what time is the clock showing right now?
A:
11.41.21
